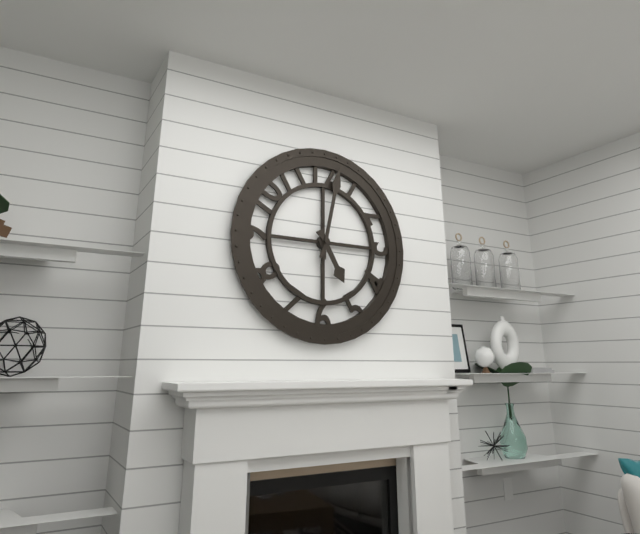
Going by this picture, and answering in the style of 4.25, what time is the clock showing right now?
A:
5.02
